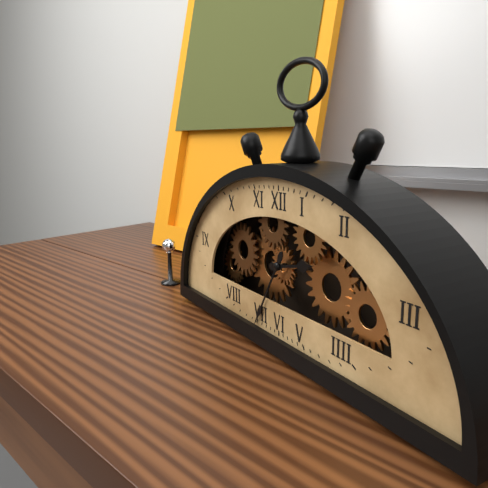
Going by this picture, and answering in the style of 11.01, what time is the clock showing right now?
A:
2.35
